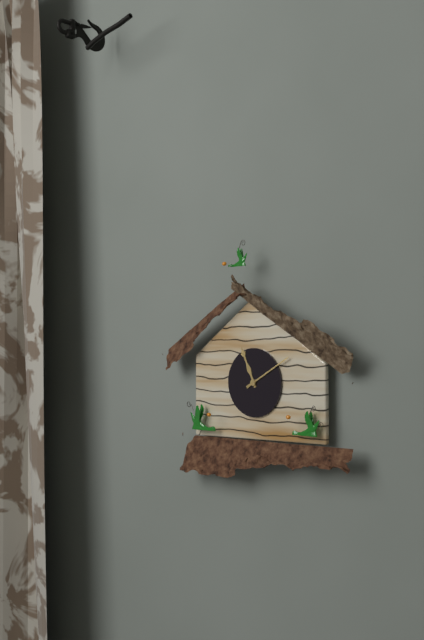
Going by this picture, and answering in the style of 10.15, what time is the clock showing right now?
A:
11.10
